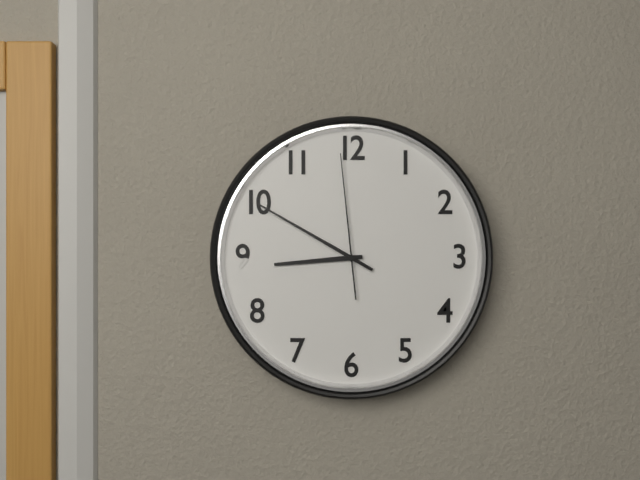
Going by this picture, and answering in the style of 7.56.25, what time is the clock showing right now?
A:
8.50.59
